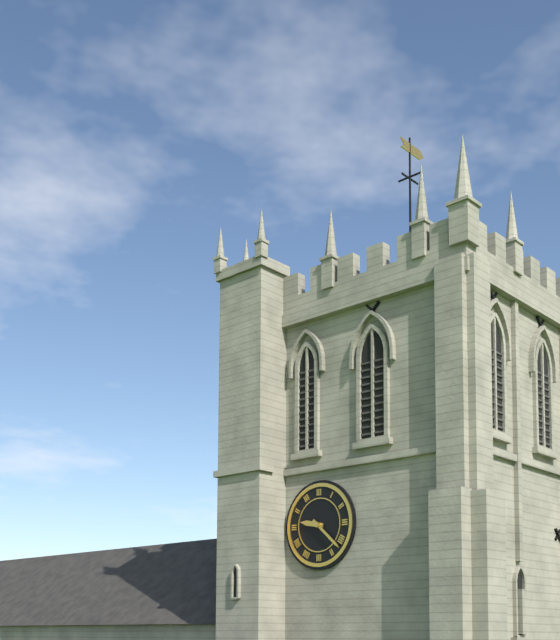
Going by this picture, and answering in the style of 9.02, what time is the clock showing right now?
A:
9.22
